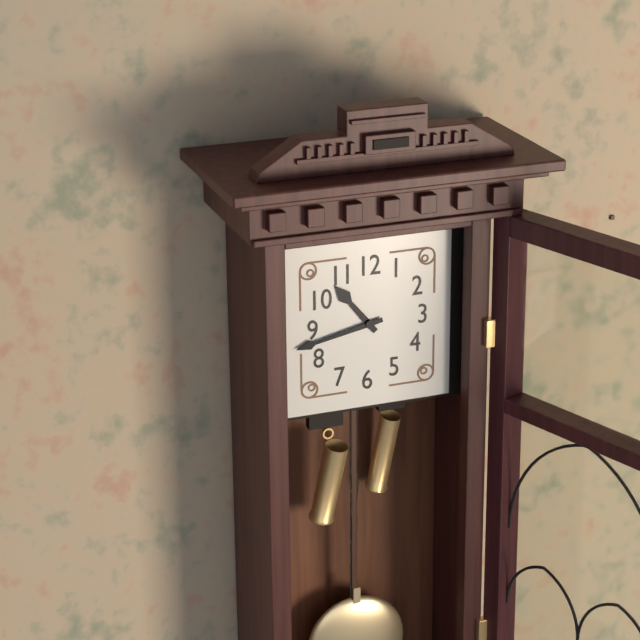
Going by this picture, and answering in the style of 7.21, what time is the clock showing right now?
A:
10.43
